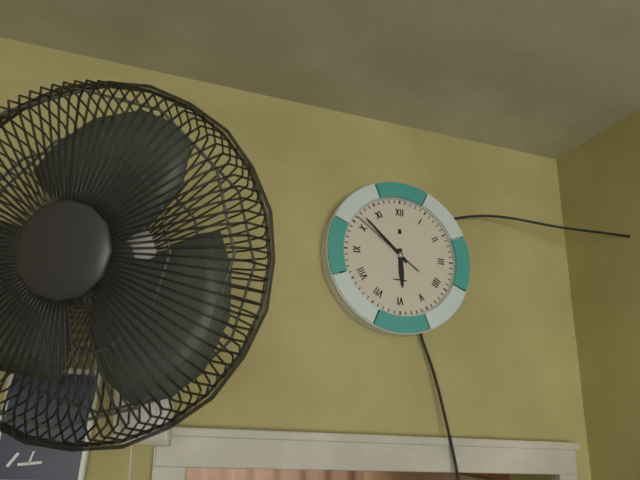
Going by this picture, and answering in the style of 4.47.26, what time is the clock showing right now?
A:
5.52.51
